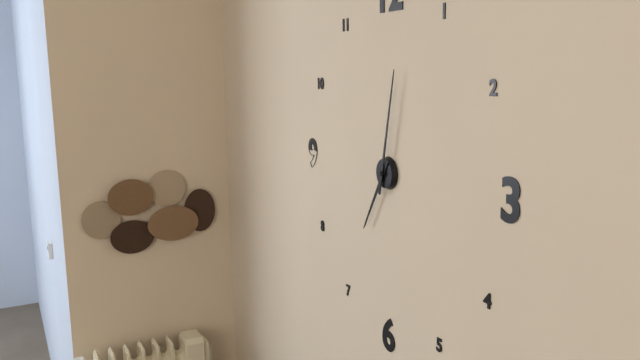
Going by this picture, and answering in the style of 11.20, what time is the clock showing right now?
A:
7.02
